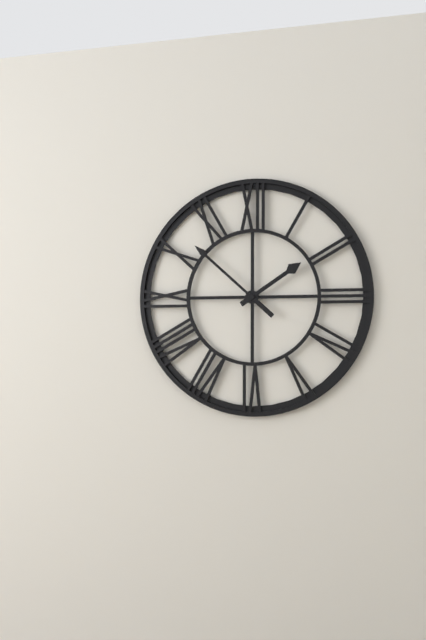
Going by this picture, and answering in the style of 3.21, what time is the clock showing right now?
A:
1.52
